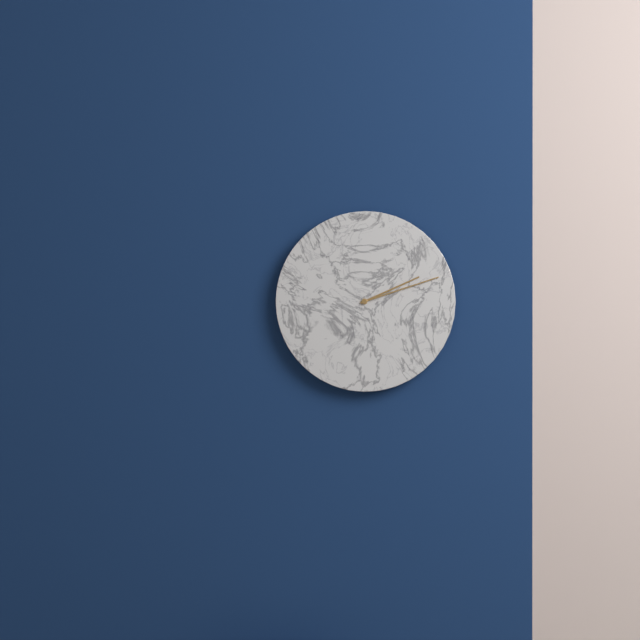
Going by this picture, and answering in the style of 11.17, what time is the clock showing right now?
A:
2.12
